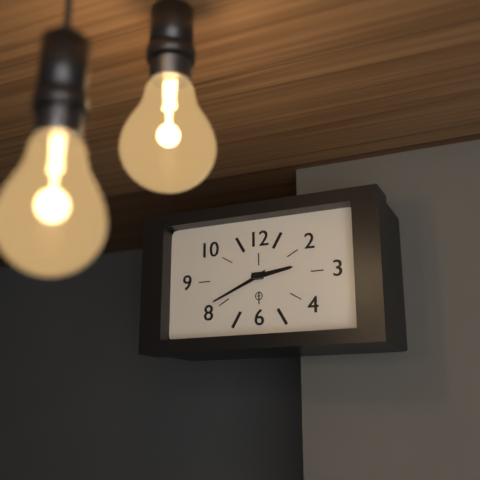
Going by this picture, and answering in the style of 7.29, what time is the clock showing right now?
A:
2.41
